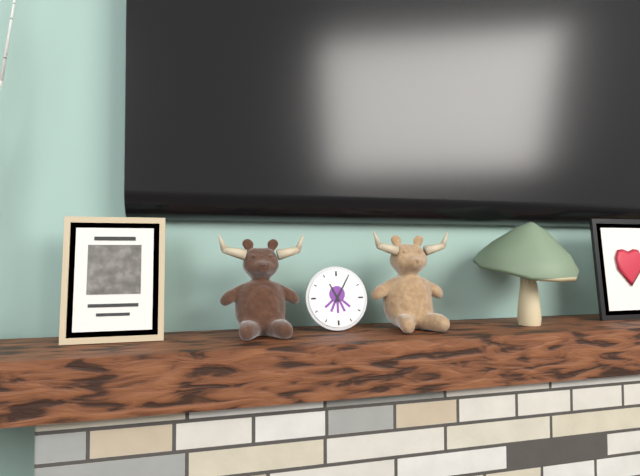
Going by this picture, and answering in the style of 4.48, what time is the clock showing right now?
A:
11.05
